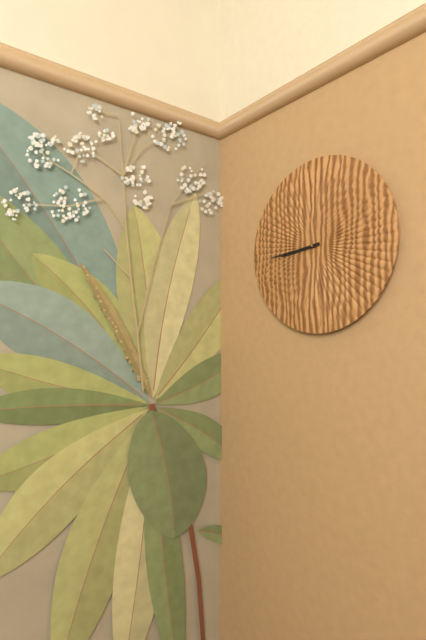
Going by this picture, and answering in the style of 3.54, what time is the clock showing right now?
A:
8.44
